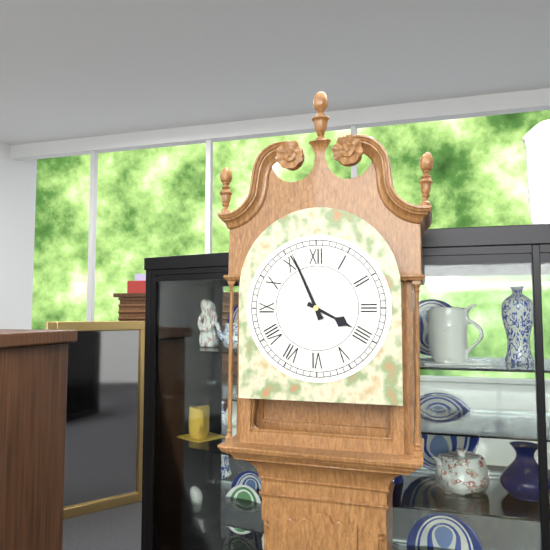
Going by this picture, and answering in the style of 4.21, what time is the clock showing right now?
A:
3.56
